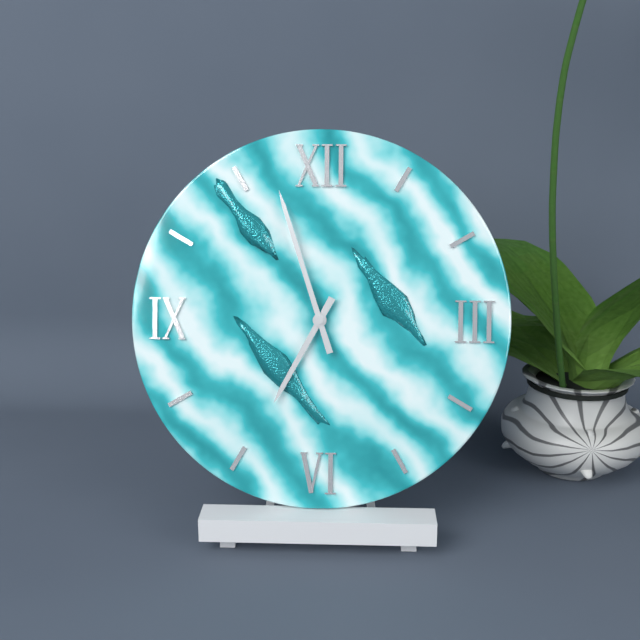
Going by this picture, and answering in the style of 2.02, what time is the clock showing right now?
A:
6.57
